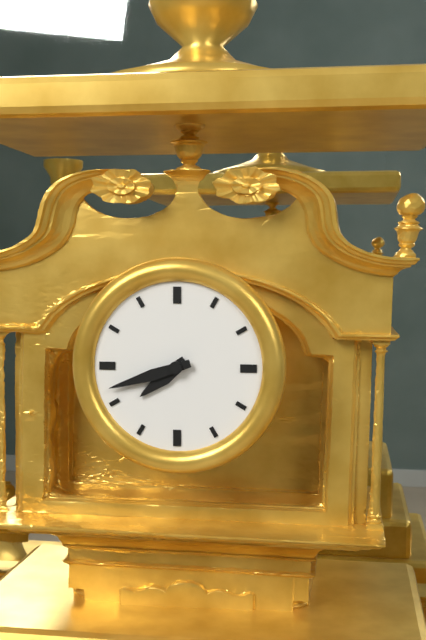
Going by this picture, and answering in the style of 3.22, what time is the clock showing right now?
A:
7.42
